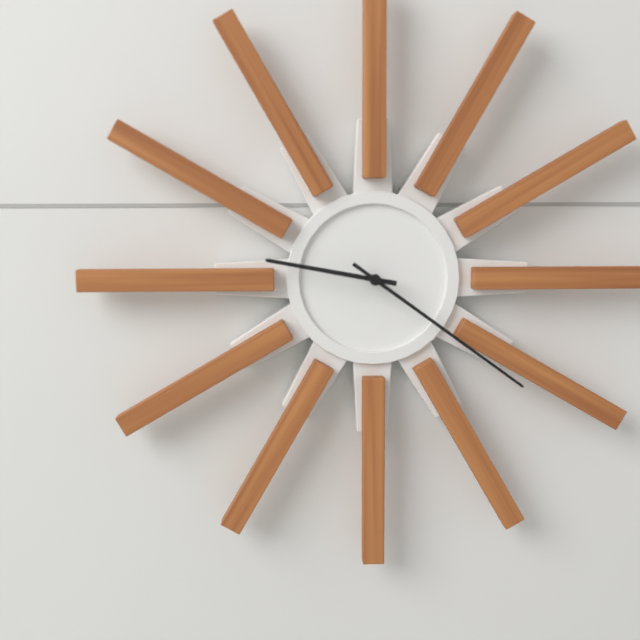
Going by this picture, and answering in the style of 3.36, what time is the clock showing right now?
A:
9.21
